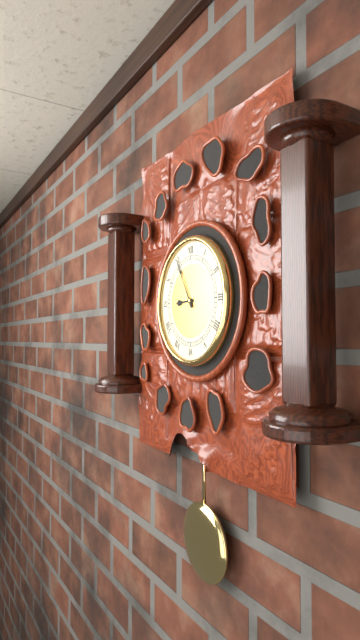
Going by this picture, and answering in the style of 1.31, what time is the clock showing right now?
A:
8.55
